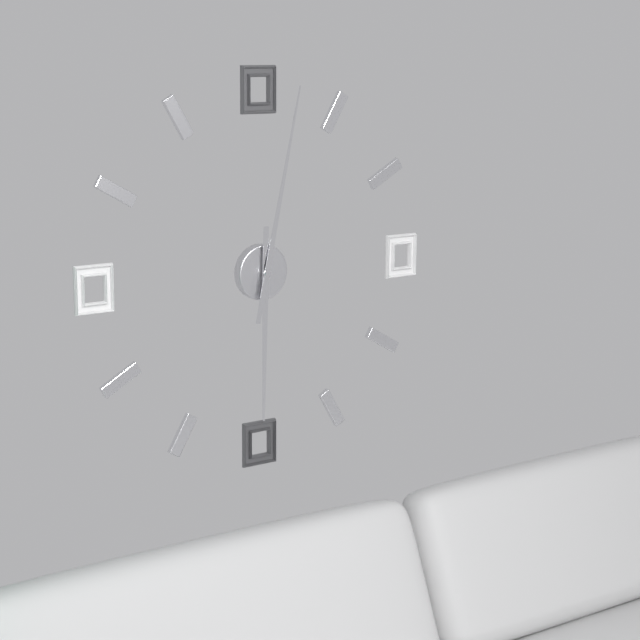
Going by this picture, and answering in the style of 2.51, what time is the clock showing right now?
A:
6.02
